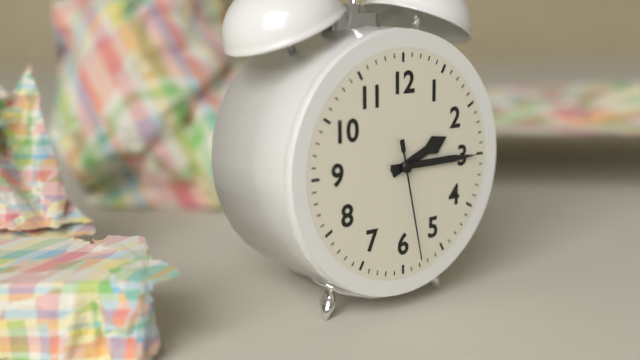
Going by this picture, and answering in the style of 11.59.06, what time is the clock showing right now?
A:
2.15.28
